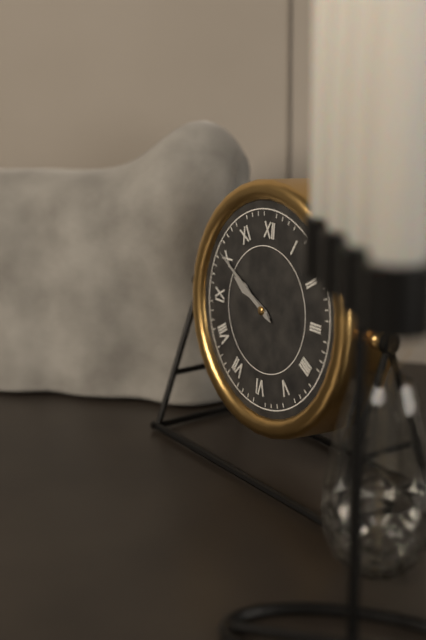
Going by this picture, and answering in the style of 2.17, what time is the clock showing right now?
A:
9.50
